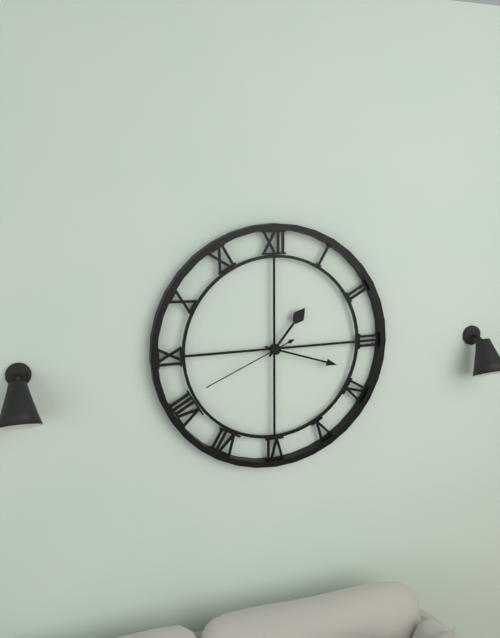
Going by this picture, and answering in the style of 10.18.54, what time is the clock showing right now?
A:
1.18.41
